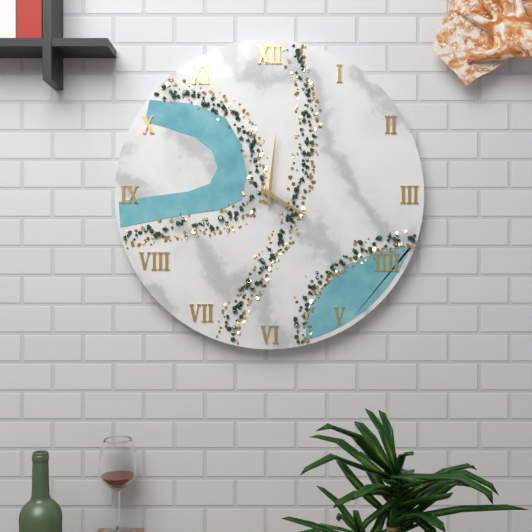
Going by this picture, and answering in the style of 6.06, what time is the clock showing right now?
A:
4.01
